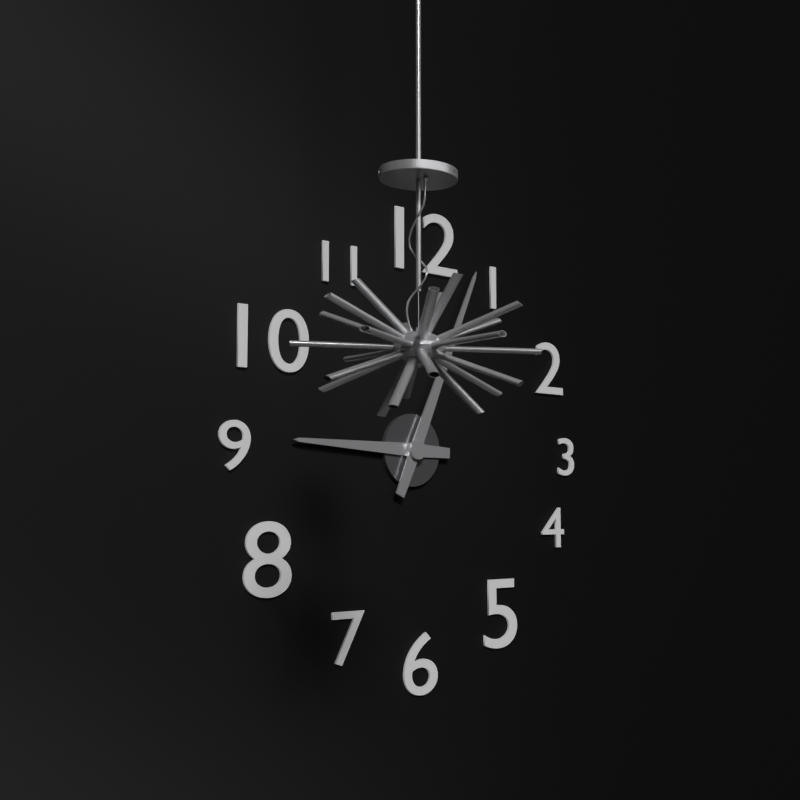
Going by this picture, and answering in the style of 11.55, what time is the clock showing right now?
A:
9.04
